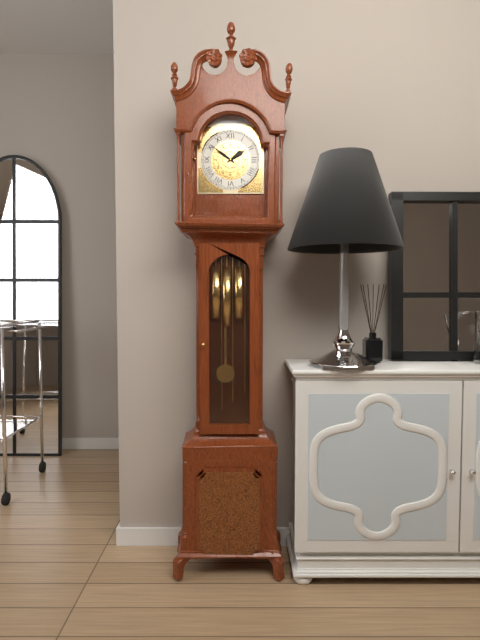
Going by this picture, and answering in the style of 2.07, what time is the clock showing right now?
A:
1.51
